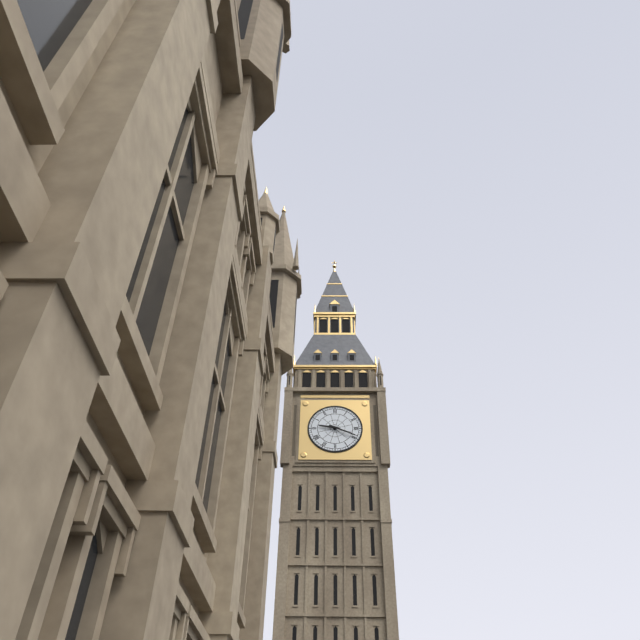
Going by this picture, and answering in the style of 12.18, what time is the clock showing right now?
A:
9.19
